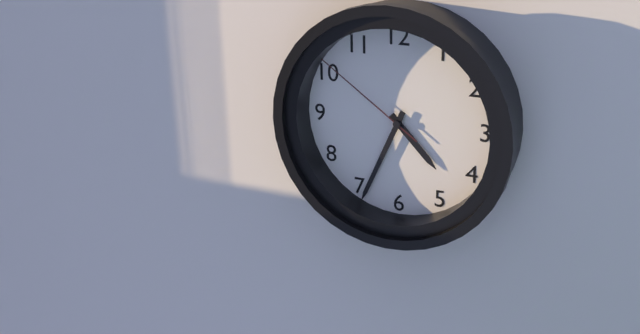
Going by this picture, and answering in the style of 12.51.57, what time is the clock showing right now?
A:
4.34.51
